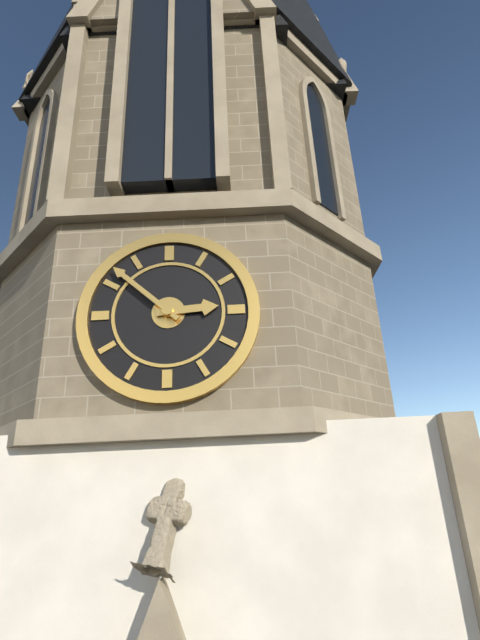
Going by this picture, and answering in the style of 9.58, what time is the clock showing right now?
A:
2.52
